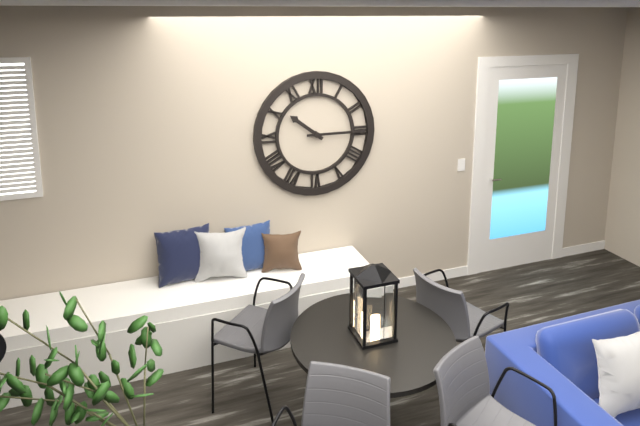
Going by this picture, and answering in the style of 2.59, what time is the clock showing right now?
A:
10.15
